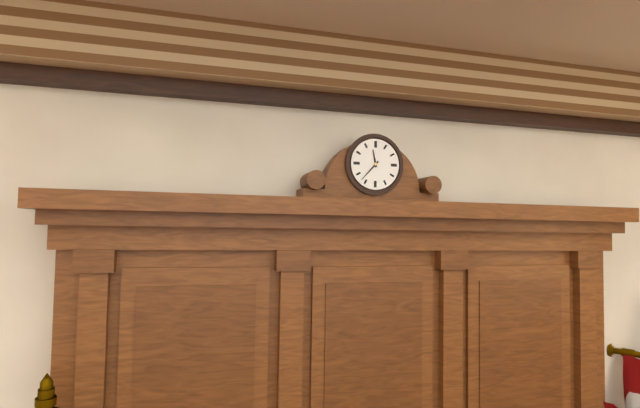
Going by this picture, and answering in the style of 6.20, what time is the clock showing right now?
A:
11.37
